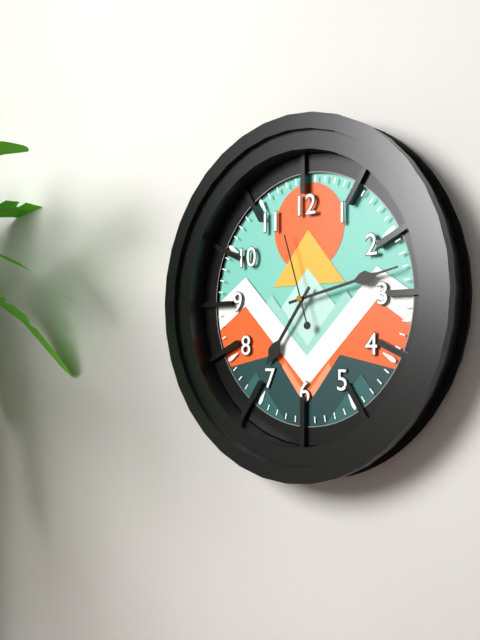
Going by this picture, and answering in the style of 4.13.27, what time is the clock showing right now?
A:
7.13.57
